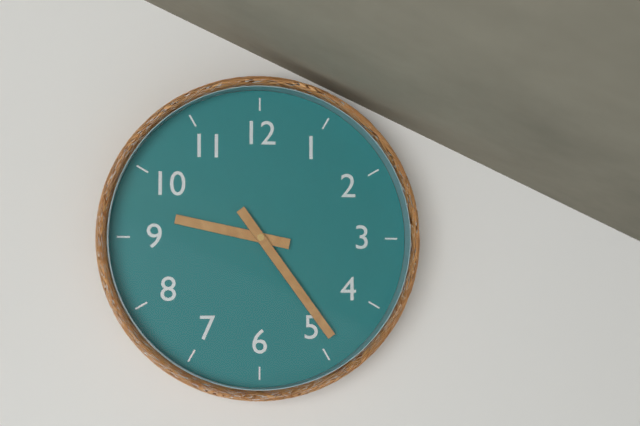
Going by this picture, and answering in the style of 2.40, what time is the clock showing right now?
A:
9.24
